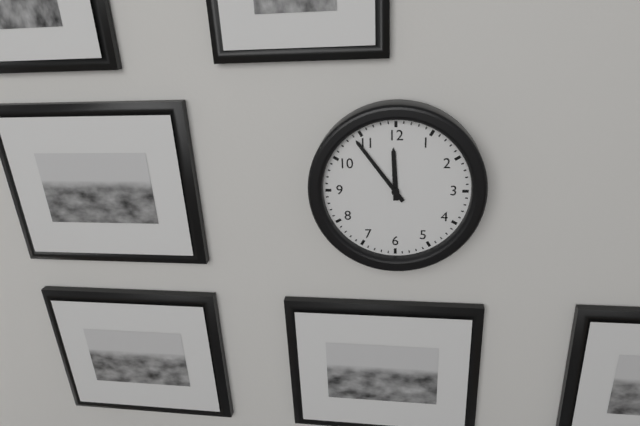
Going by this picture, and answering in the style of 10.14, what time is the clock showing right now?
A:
11.54
